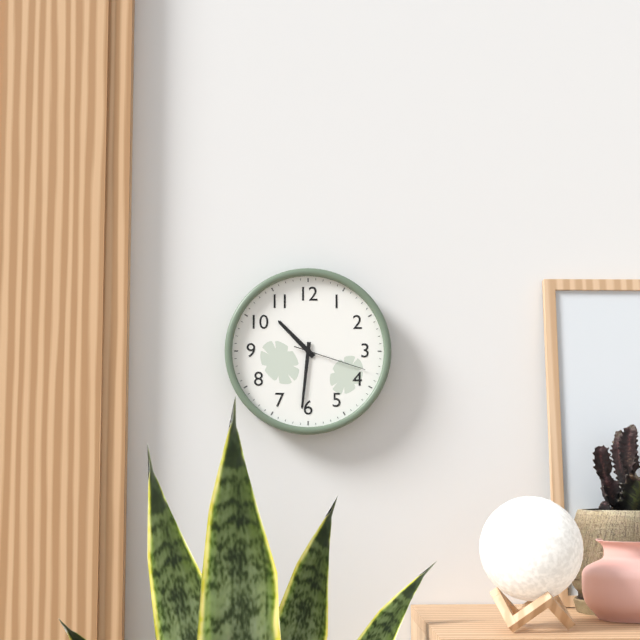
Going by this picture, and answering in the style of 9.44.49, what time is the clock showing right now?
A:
10.31.18
